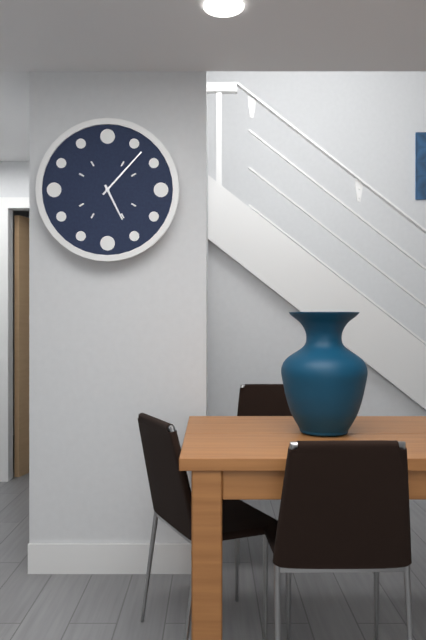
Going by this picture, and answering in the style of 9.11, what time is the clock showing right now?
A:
5.07
